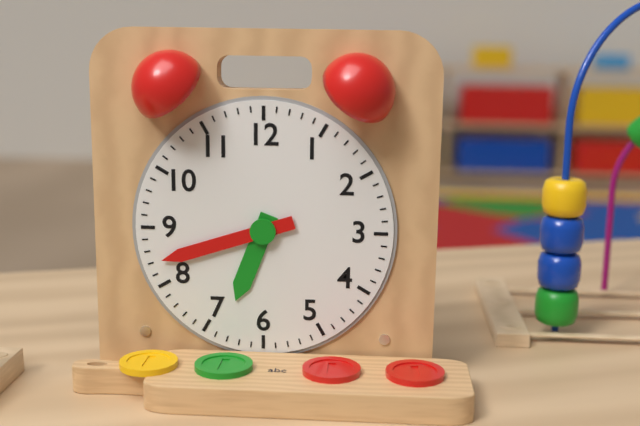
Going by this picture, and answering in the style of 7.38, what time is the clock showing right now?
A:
6.42
